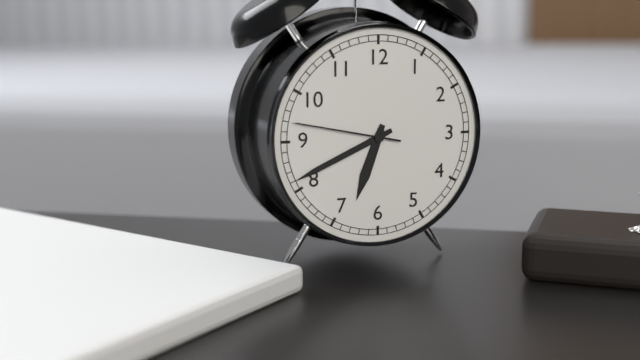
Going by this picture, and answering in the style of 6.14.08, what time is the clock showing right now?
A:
6.41.47
